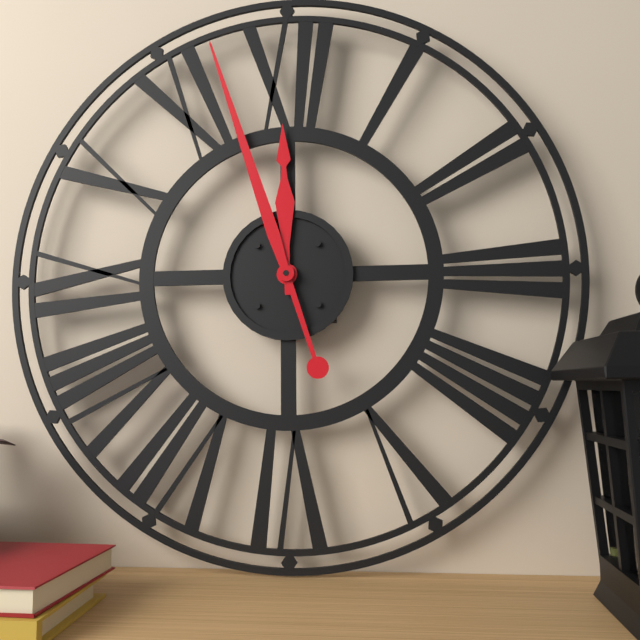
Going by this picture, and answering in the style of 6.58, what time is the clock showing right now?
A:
11.57
